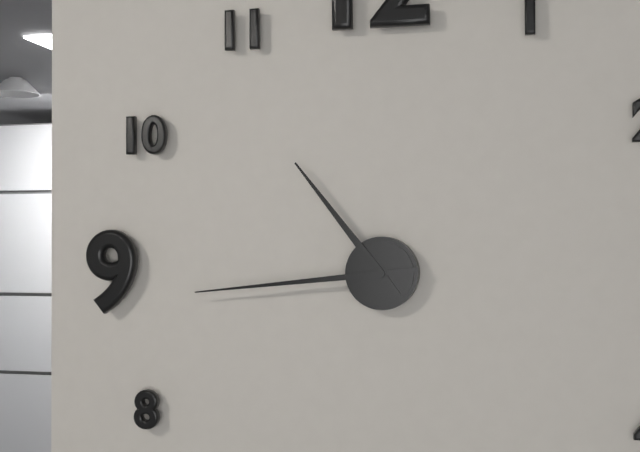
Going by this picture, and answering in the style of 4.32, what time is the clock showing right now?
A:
10.44
